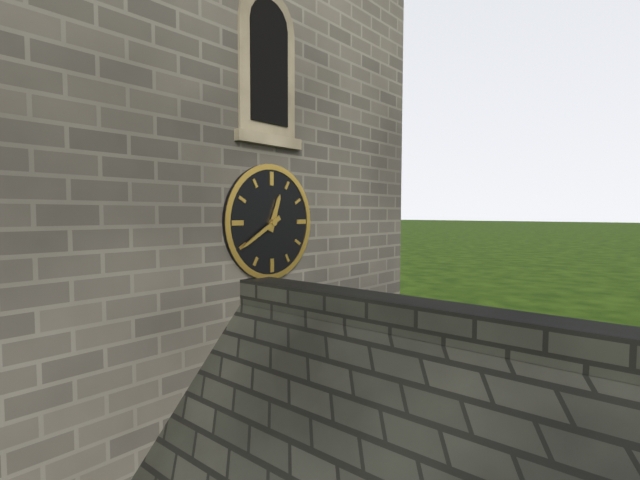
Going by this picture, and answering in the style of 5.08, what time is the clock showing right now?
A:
12.40
